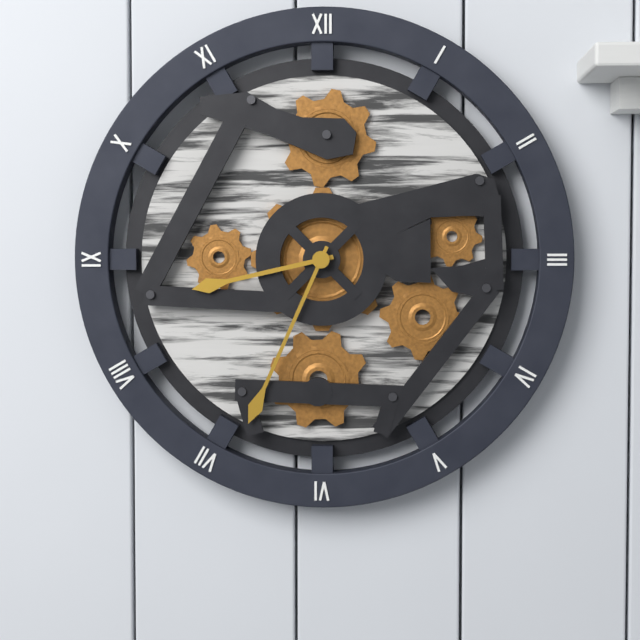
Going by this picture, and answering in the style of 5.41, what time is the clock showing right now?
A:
8.34
